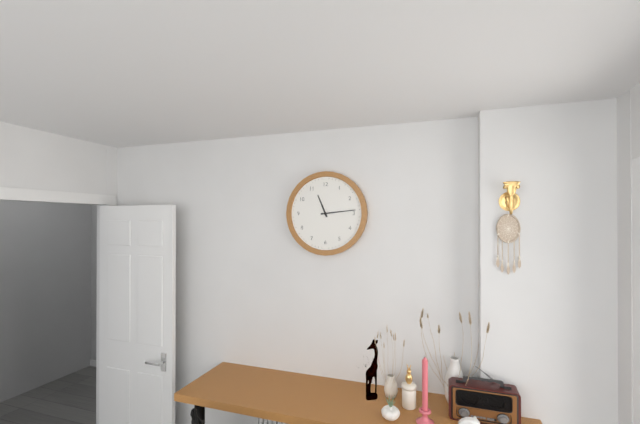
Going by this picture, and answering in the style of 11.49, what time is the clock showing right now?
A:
11.14
